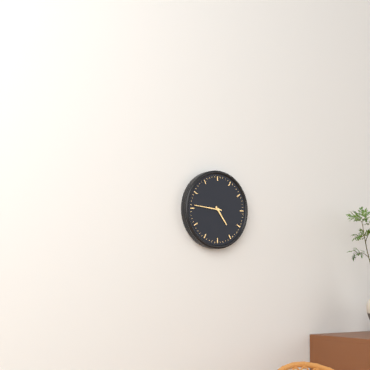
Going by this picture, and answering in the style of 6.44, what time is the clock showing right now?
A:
4.46
